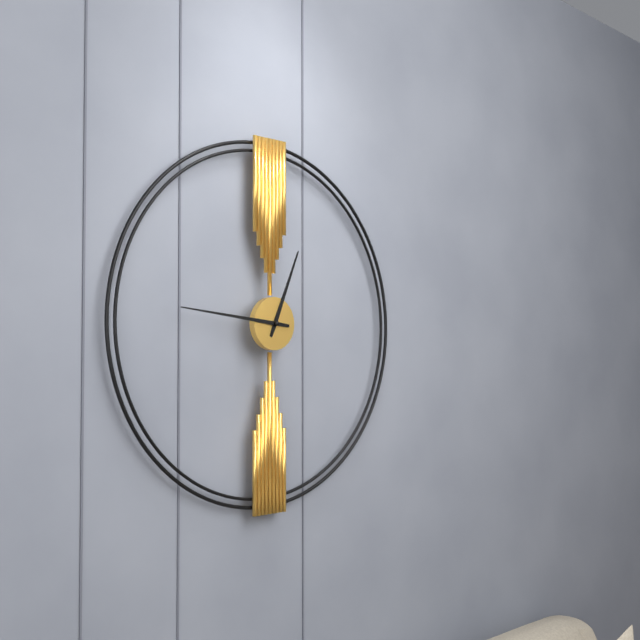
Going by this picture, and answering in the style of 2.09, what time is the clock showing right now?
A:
12.46
